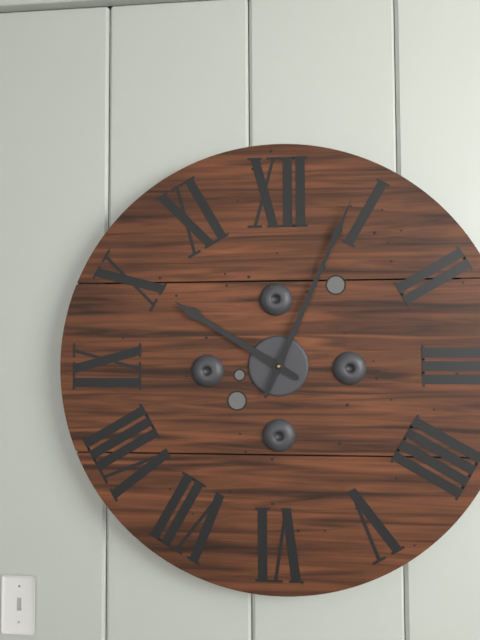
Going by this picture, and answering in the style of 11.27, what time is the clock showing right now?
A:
10.04
